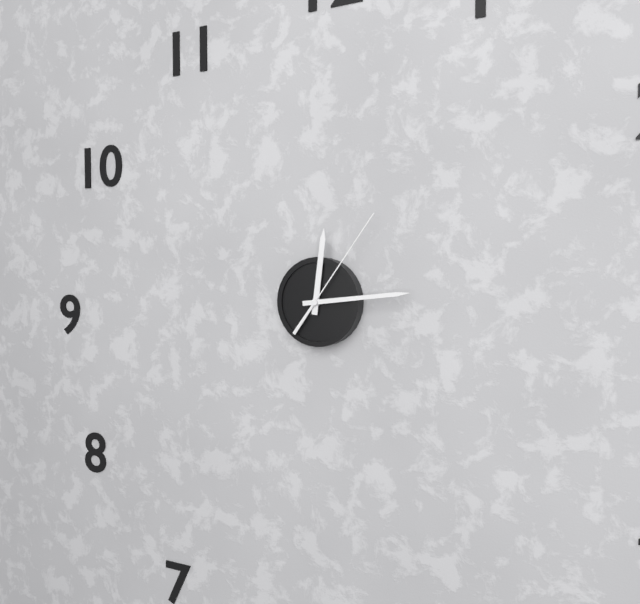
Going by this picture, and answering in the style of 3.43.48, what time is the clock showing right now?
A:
12.14.06
